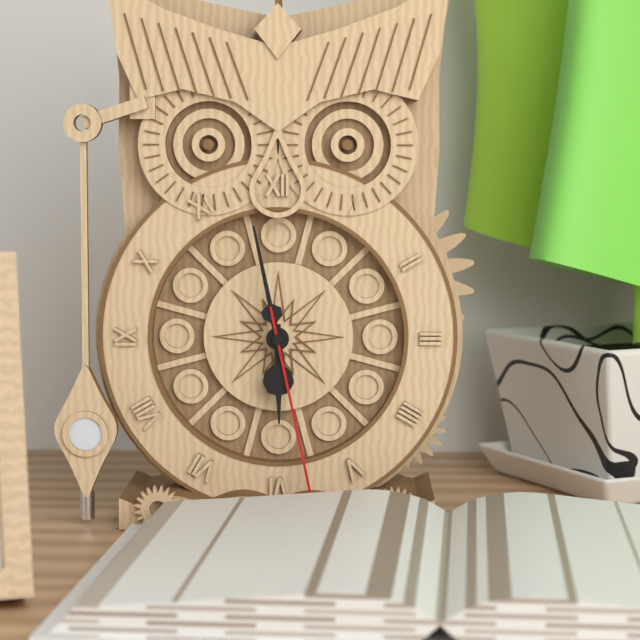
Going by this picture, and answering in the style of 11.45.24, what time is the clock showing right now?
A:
5.58.28
